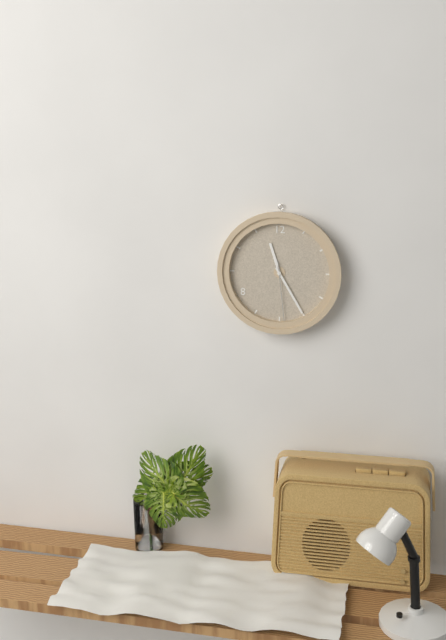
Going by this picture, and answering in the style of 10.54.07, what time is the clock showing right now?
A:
11.25.29
